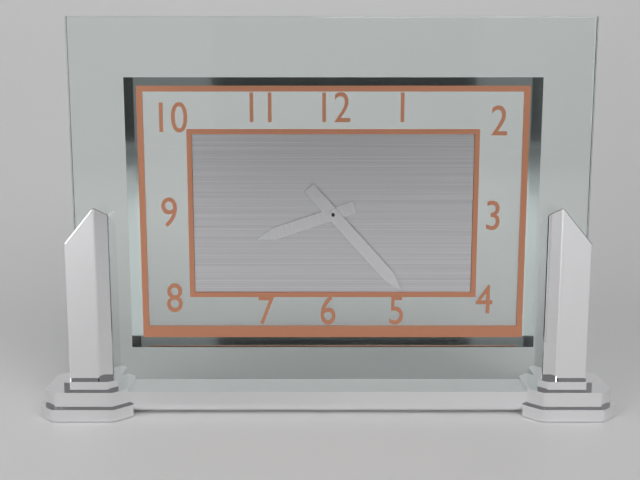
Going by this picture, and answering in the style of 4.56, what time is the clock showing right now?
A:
8.23
